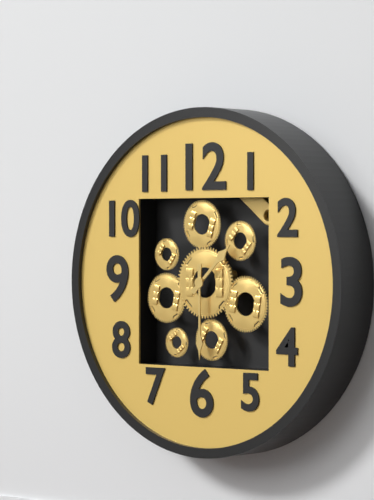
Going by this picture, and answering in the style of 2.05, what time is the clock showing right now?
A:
1.30
